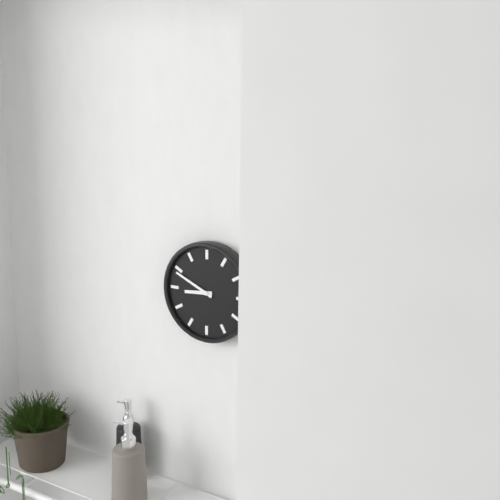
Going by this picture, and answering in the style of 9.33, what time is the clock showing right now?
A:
8.49
